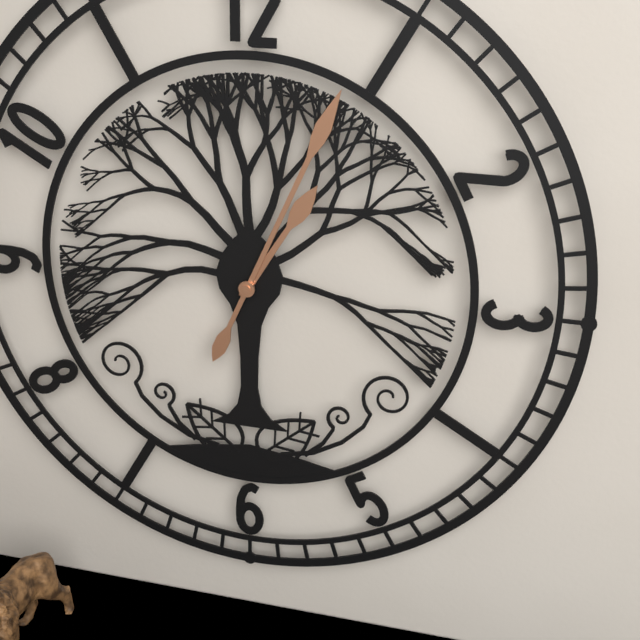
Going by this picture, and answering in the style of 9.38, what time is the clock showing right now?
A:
1.04
